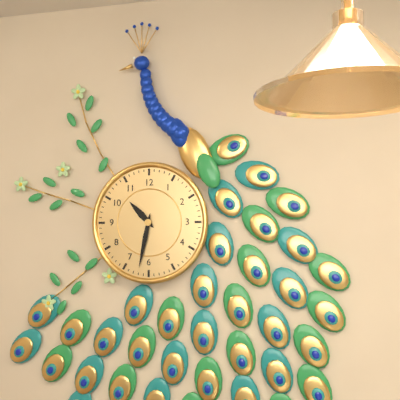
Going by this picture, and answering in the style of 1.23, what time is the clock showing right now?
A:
10.32
